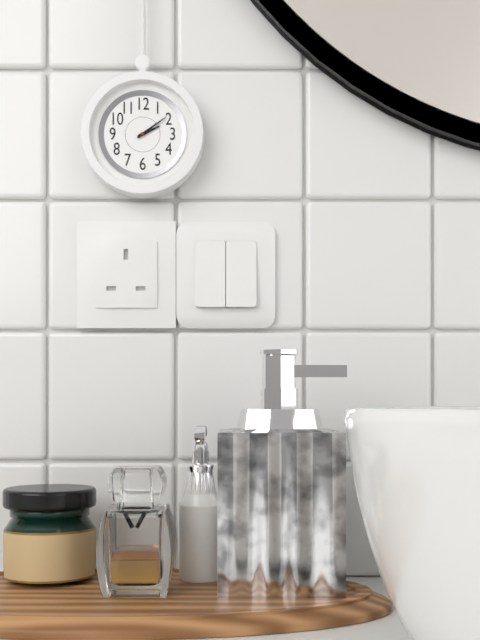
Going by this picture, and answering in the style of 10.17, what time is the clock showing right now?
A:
2.09
